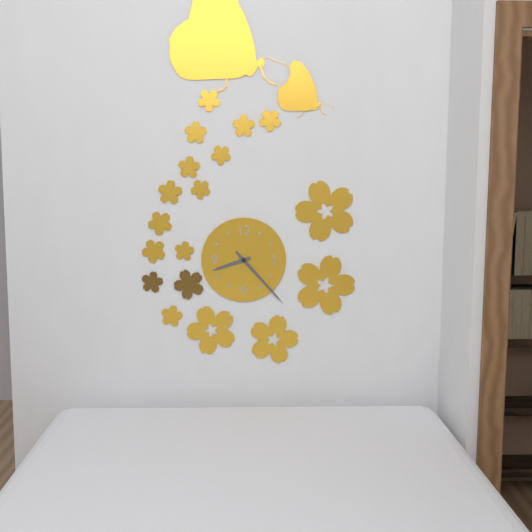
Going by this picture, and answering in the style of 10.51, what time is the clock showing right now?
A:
8.23
